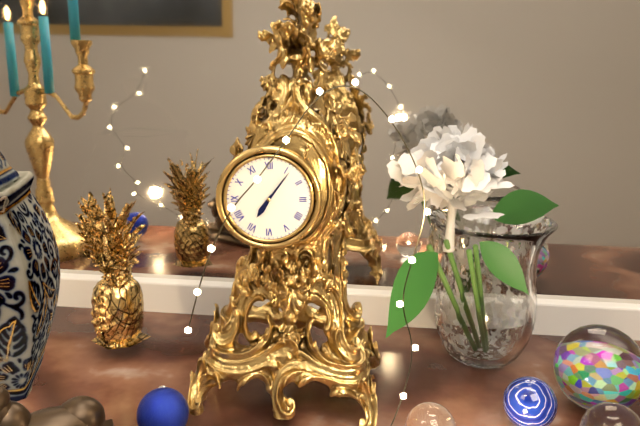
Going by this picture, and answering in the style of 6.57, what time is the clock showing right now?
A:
7.06
